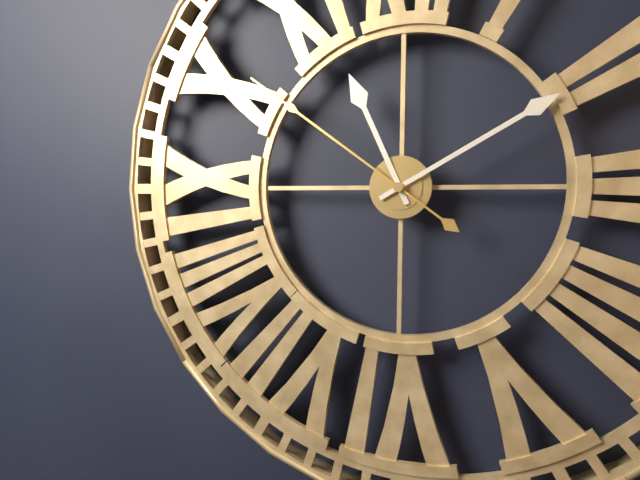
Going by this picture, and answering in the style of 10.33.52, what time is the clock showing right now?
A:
11.10.51
